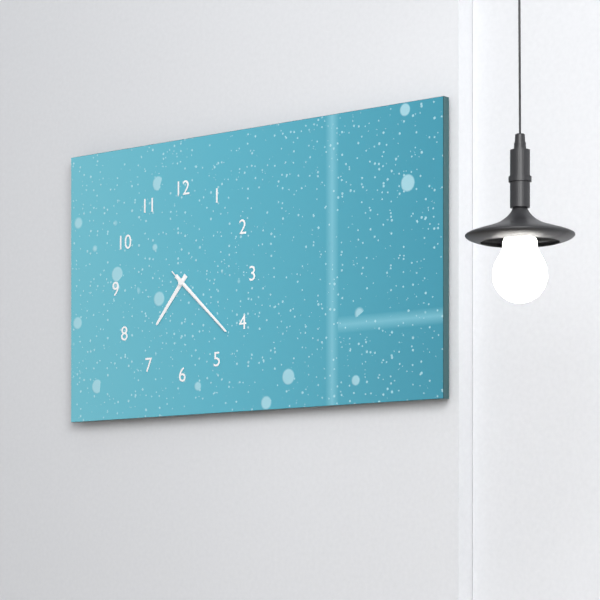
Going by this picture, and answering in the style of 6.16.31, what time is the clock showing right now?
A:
7.22.22
